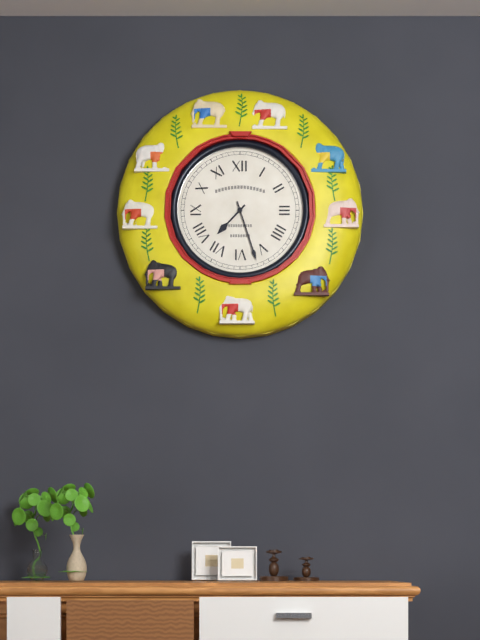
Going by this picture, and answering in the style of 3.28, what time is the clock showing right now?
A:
7.27
